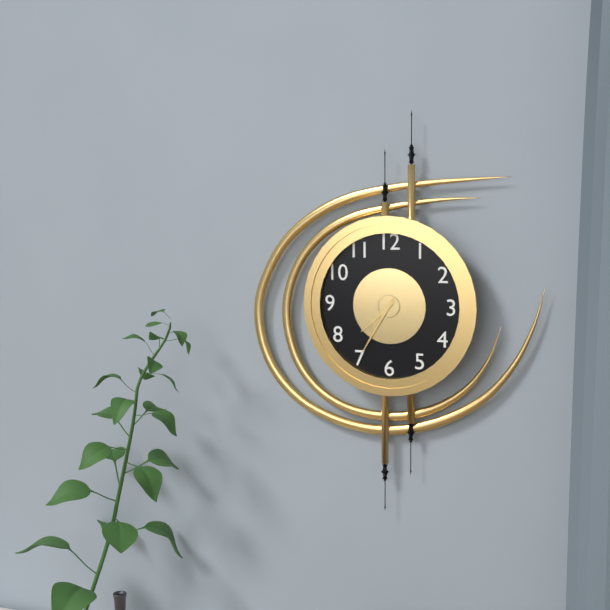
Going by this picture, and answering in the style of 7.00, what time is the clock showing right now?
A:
7.35
